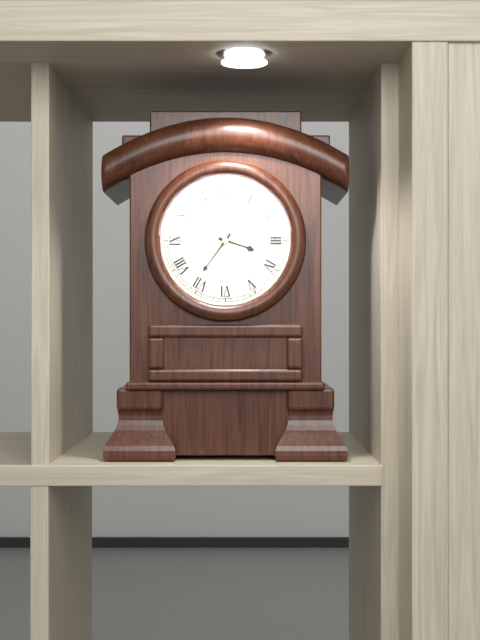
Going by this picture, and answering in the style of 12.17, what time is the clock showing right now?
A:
3.36
